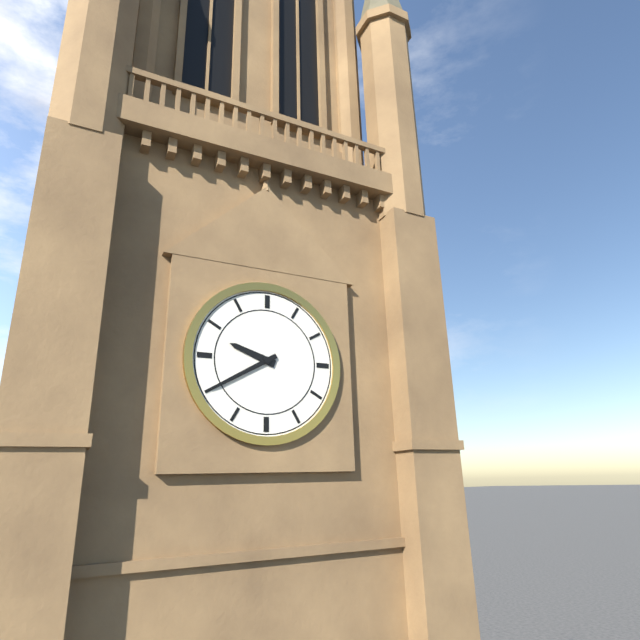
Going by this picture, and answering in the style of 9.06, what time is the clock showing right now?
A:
9.40
